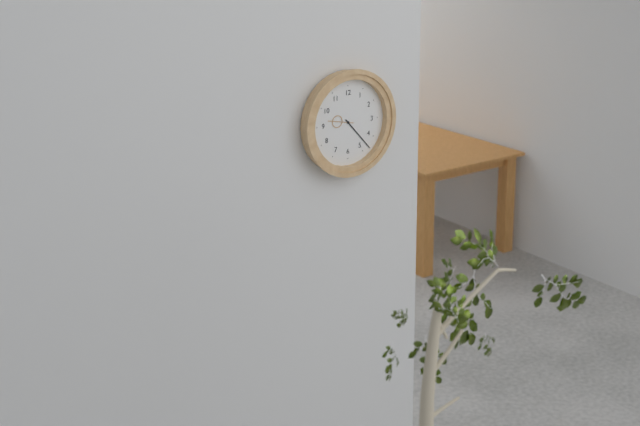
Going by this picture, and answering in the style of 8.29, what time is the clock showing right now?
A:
9.23
